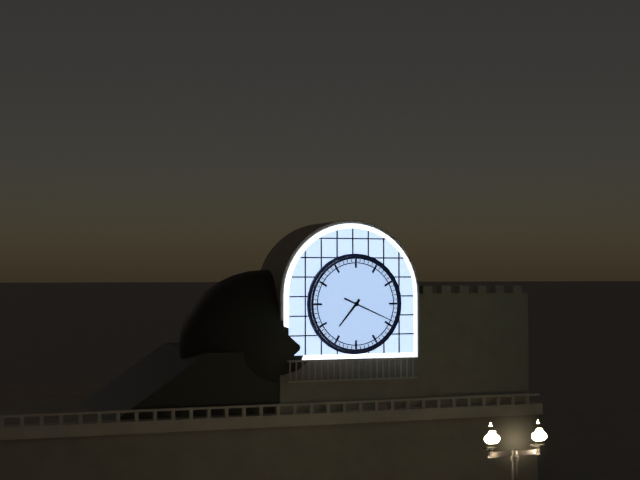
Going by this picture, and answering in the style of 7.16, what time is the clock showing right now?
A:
7.19
